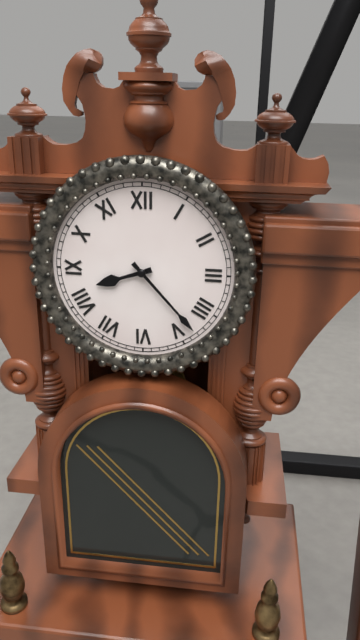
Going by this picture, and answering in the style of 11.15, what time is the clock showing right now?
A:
8.23
